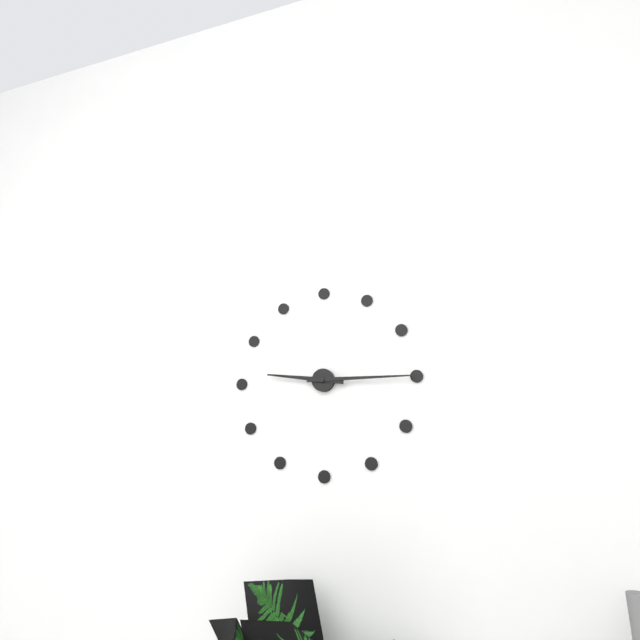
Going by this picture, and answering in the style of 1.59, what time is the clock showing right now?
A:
9.15
